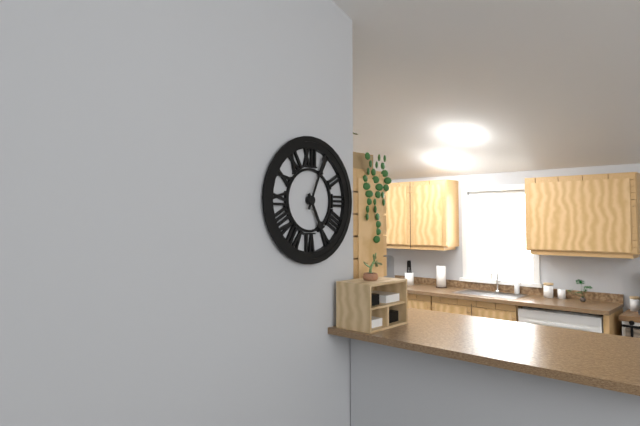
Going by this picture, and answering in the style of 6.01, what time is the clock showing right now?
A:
5.04
